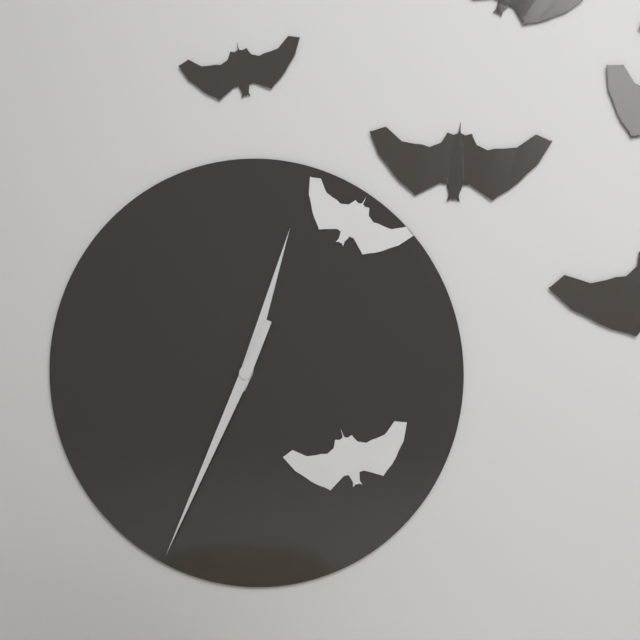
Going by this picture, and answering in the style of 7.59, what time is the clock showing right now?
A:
12.34
